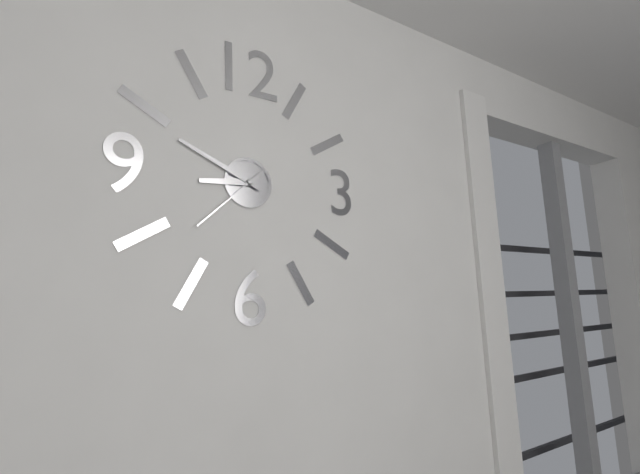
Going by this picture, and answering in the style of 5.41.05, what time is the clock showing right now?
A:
8.49.38
